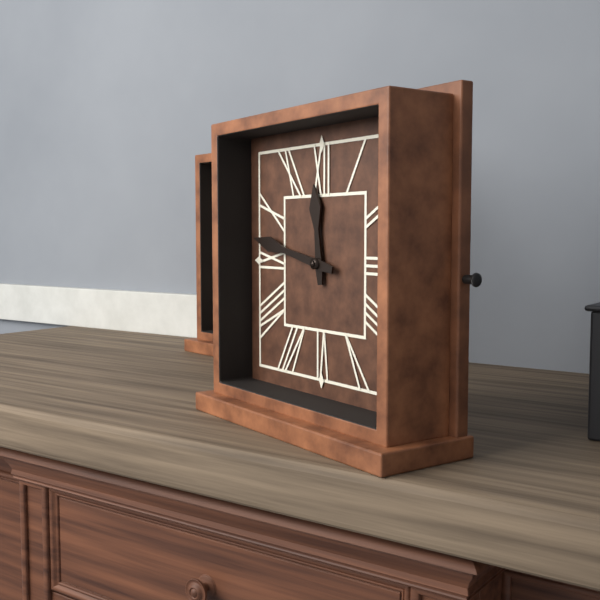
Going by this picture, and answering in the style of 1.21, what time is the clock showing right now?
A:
11.47
